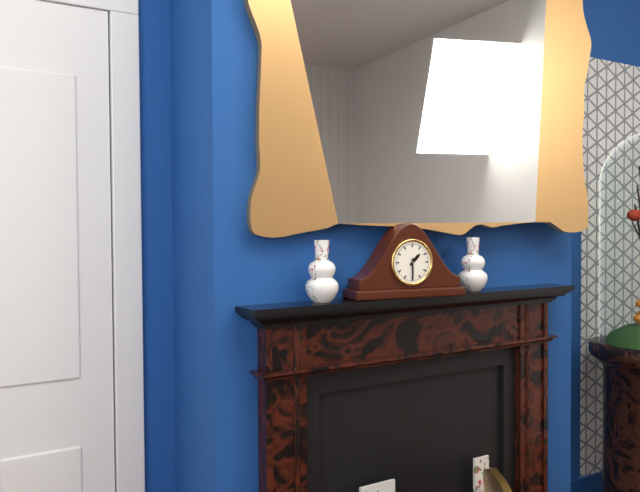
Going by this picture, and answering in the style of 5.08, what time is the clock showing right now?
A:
1.30
